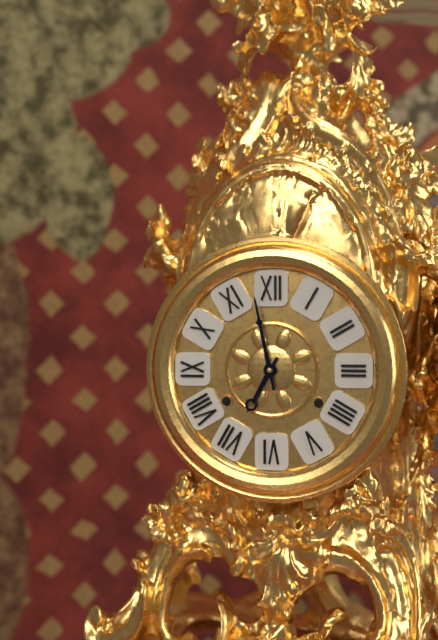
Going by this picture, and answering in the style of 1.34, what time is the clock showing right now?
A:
6.58
